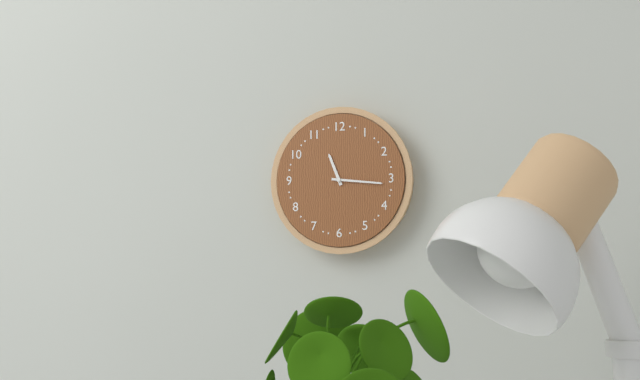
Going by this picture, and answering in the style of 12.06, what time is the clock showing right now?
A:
11.16
